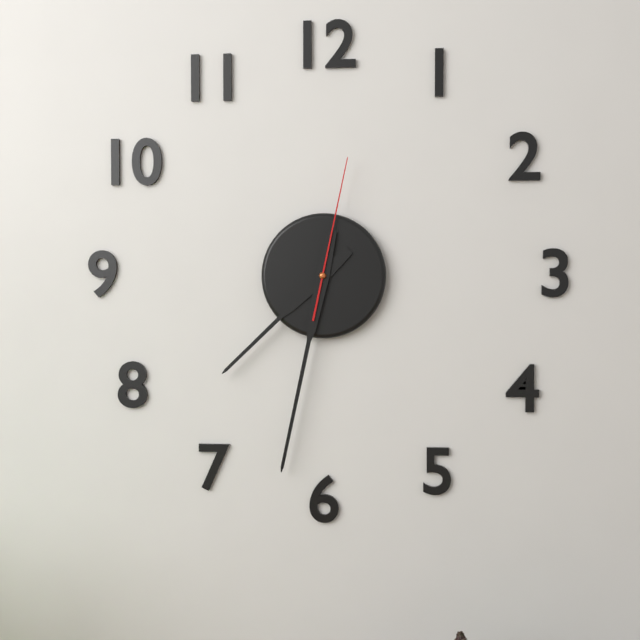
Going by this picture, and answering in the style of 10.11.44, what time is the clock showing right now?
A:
7.32.02
